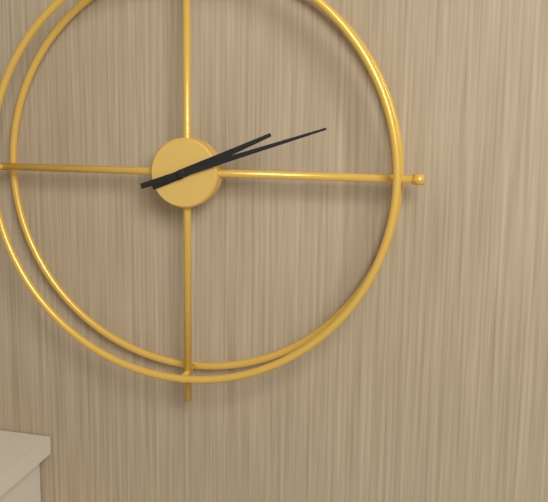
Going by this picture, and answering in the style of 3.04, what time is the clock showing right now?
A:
2.12
